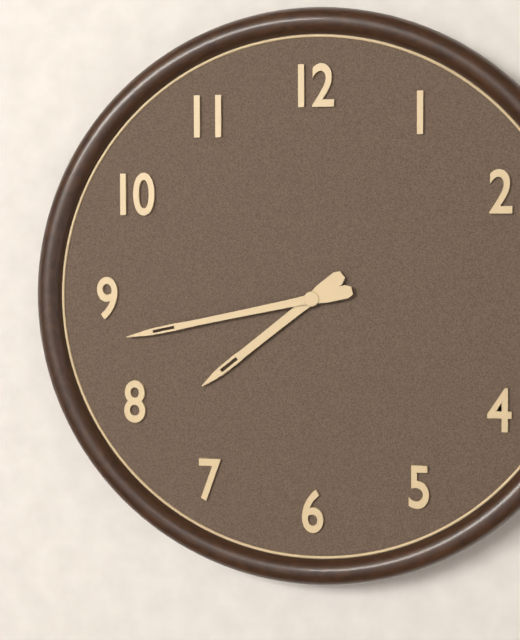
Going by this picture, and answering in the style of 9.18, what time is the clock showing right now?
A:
7.43
